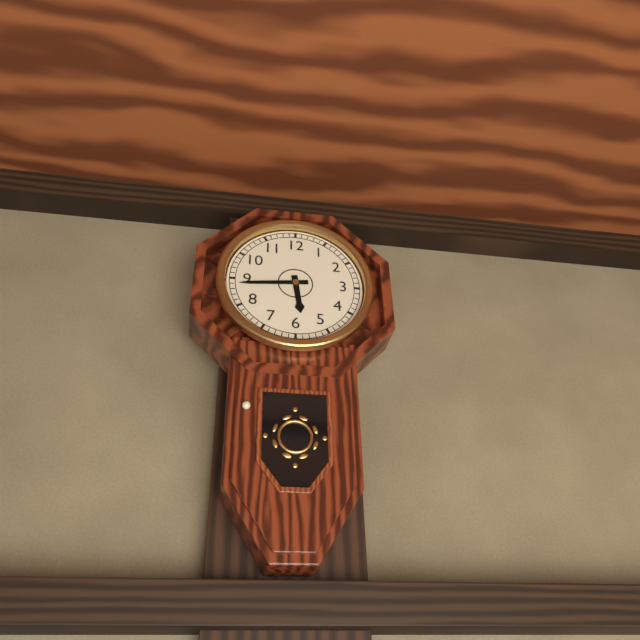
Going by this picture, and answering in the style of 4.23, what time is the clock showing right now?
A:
5.44
